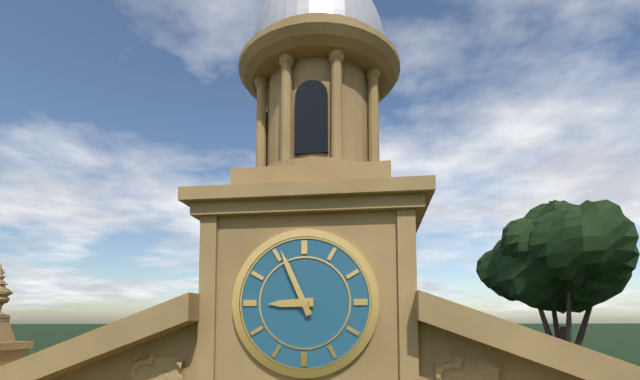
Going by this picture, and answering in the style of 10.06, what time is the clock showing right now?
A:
8.56
